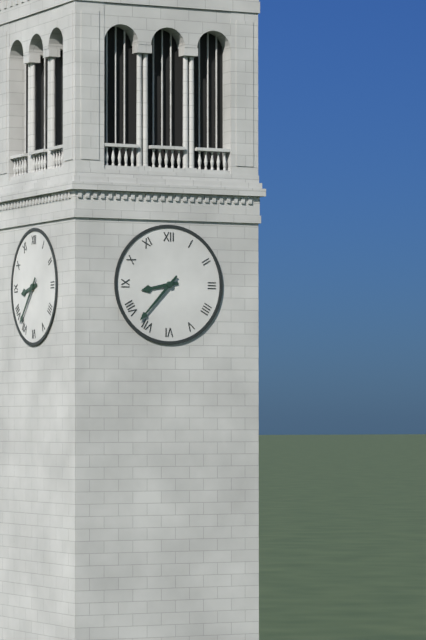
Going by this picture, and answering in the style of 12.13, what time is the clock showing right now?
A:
8.37
